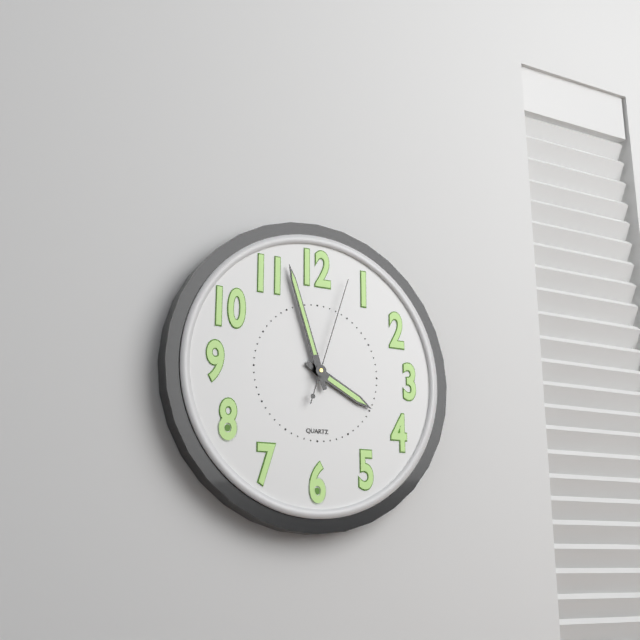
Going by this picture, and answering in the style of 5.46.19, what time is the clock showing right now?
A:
3.57.03
